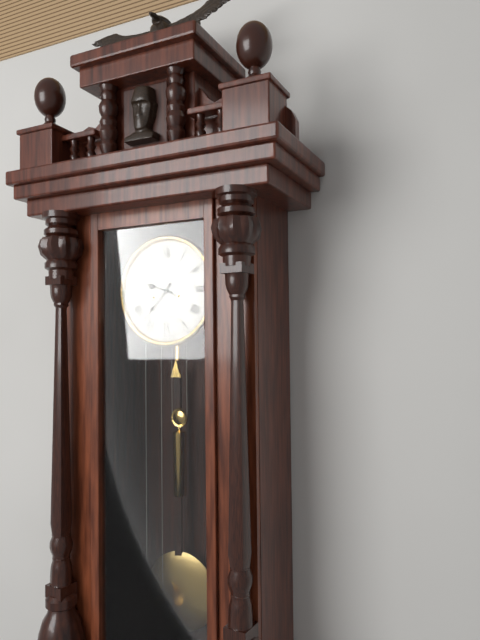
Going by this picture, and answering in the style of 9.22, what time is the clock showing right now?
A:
9.37
